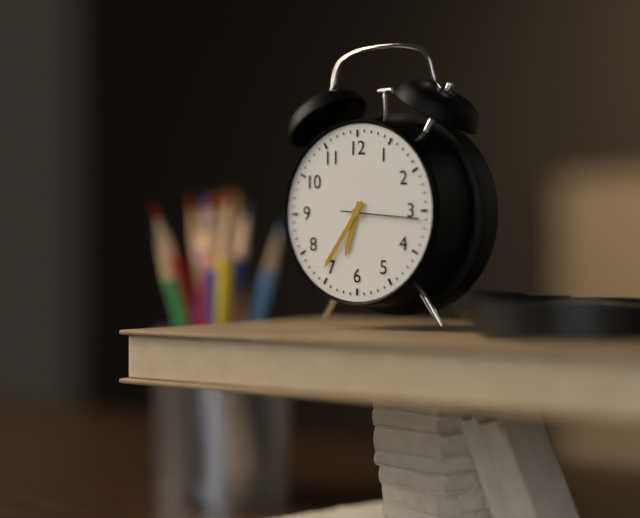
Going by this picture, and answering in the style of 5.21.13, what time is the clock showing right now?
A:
6.36.16
